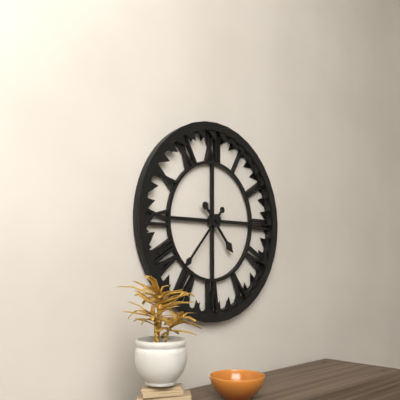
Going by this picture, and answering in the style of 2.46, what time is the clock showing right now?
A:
4.37
